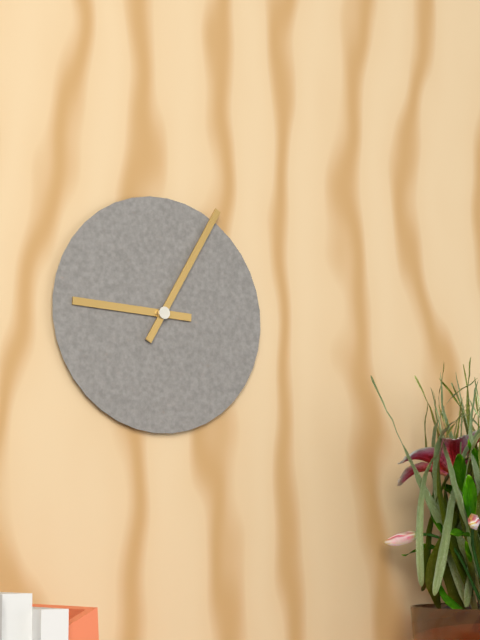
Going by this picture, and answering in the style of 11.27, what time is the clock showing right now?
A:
9.05
